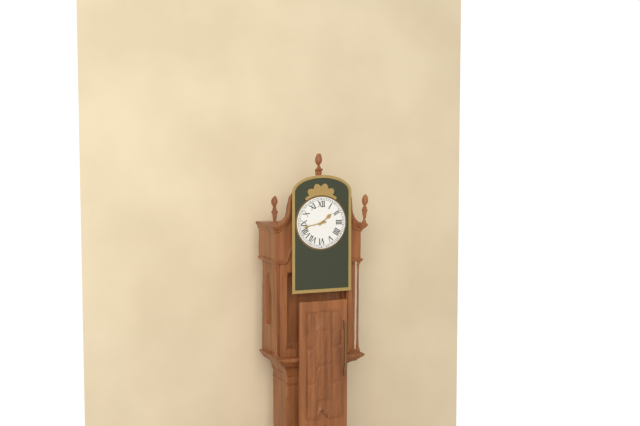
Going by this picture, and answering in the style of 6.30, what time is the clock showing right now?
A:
1.43
